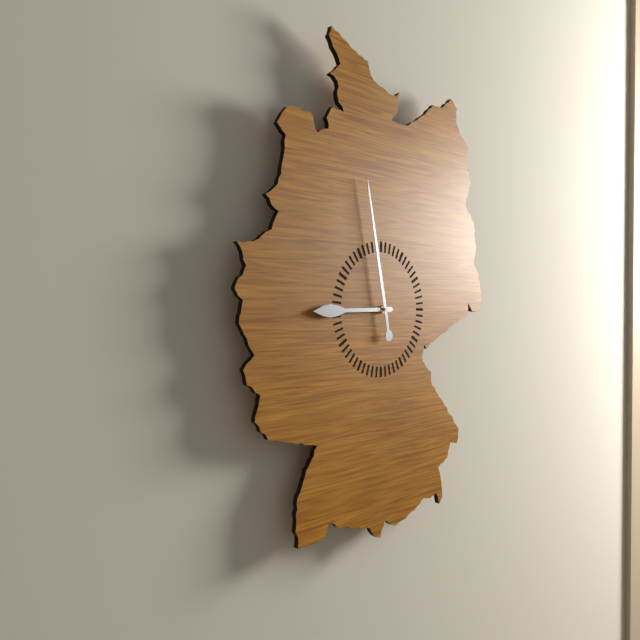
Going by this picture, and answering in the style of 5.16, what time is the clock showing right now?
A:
8.58
